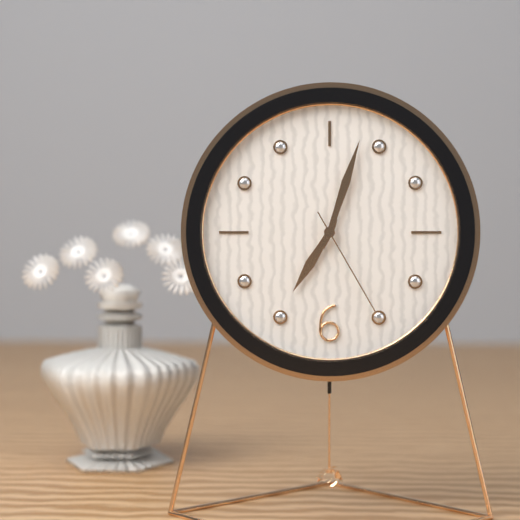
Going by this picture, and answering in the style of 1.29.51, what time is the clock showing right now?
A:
7.03.25
